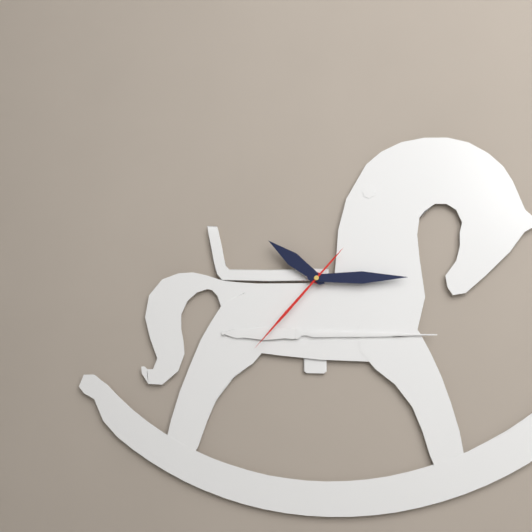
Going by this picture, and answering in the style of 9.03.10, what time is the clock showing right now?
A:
10.15.37
